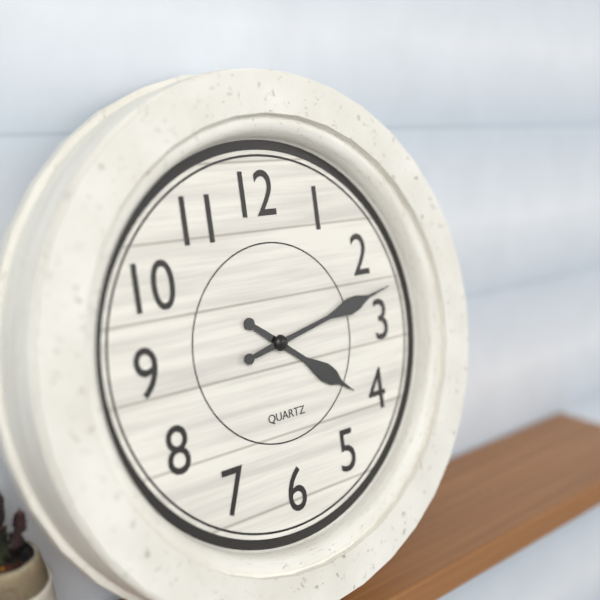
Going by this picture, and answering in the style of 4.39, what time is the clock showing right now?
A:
4.13
